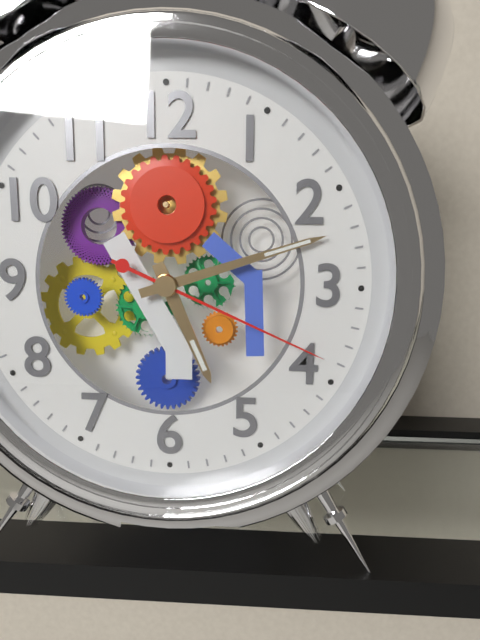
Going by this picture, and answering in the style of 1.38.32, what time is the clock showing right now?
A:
5.12.19
